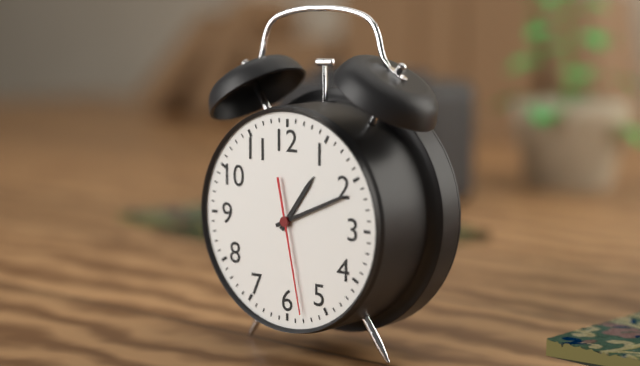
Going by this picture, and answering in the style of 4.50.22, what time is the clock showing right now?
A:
1.11.28
